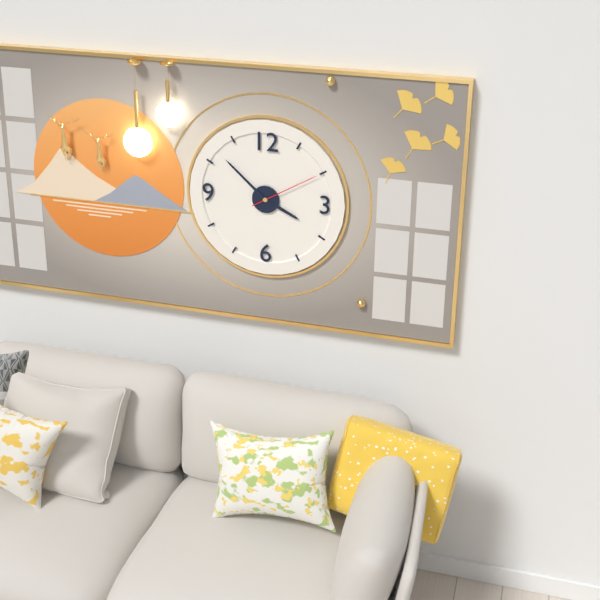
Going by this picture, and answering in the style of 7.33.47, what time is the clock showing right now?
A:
3.52.10
